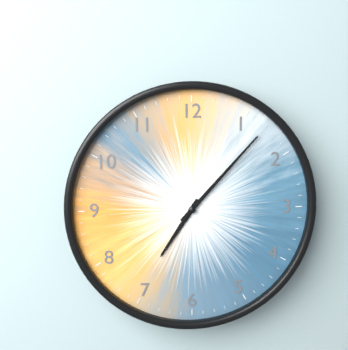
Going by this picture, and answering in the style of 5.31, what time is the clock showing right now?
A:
7.07
